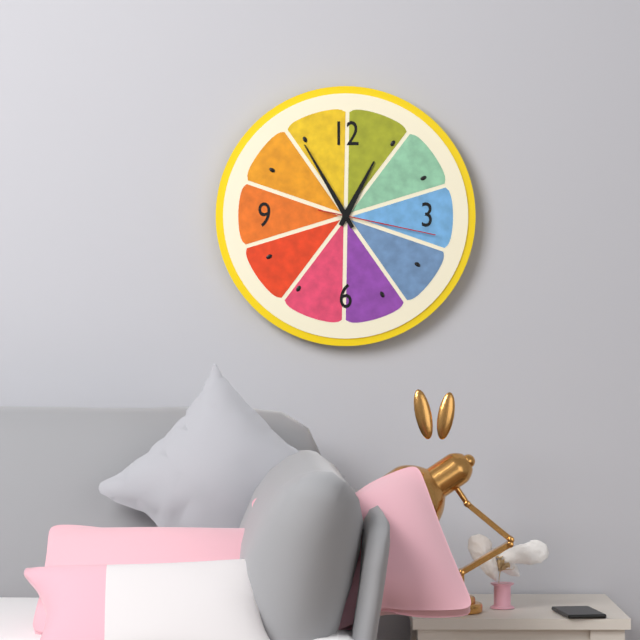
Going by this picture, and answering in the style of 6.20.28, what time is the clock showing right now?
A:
12.55.17
